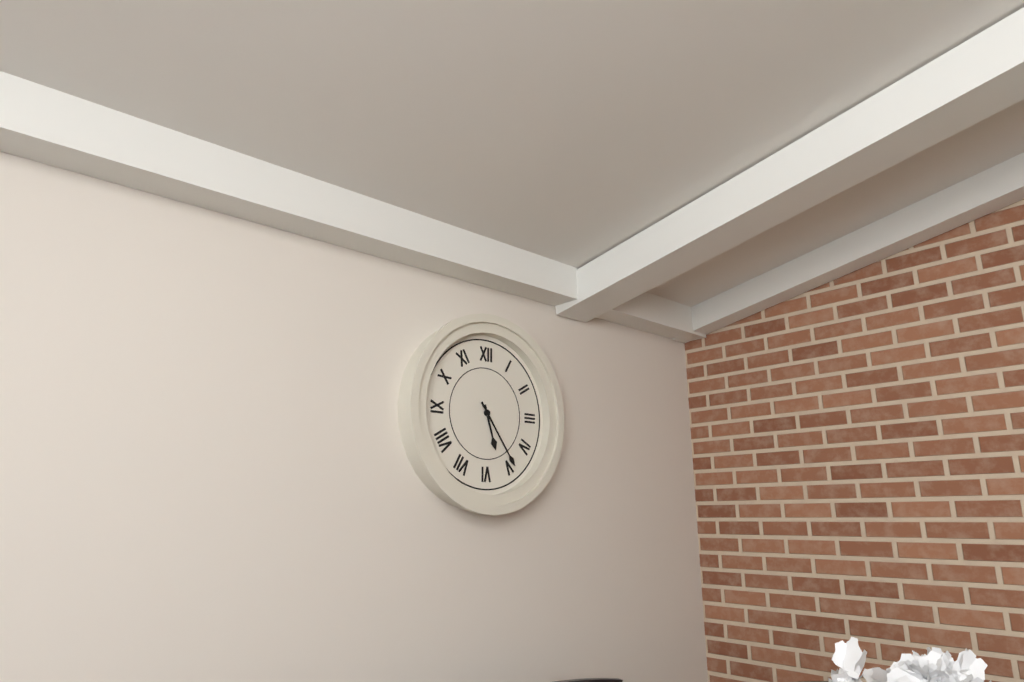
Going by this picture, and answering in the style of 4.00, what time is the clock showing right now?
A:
5.24
